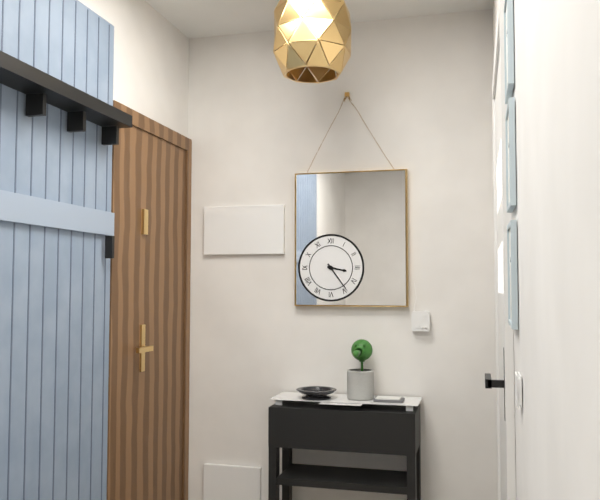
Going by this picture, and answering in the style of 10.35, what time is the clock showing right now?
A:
3.24
